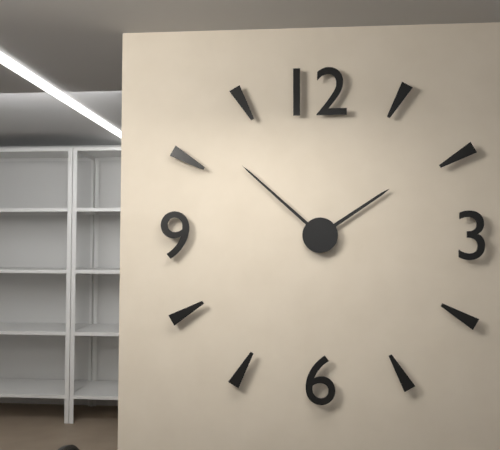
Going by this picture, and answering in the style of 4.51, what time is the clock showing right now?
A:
1.52
